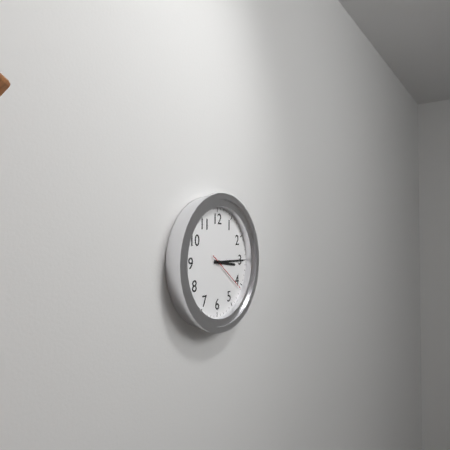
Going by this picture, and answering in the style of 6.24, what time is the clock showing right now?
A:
3.15
